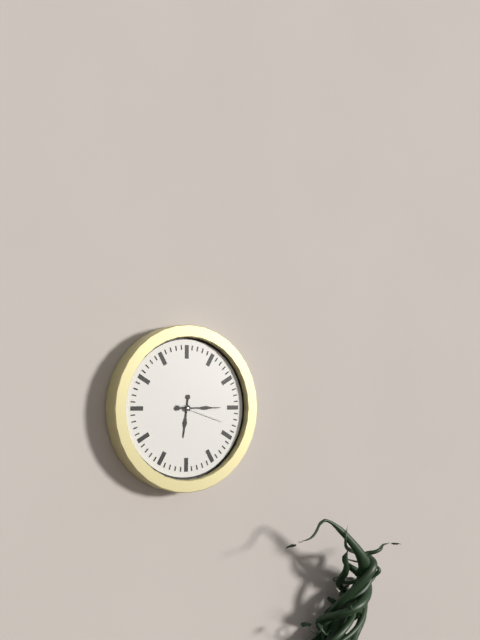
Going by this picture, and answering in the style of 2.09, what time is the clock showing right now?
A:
6.15
